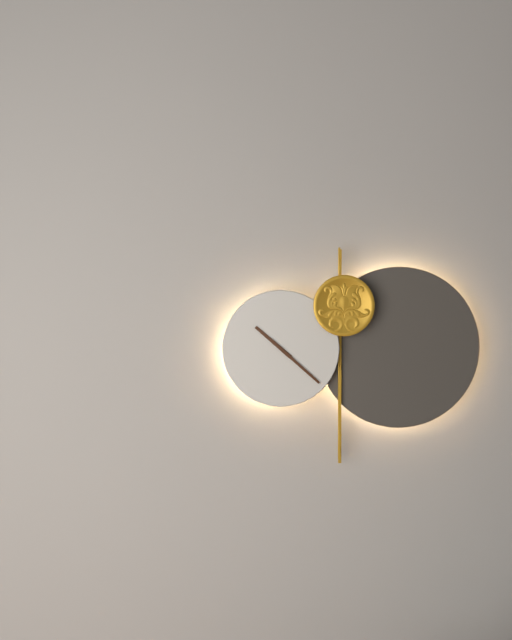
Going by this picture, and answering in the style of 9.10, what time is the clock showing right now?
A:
10.22
